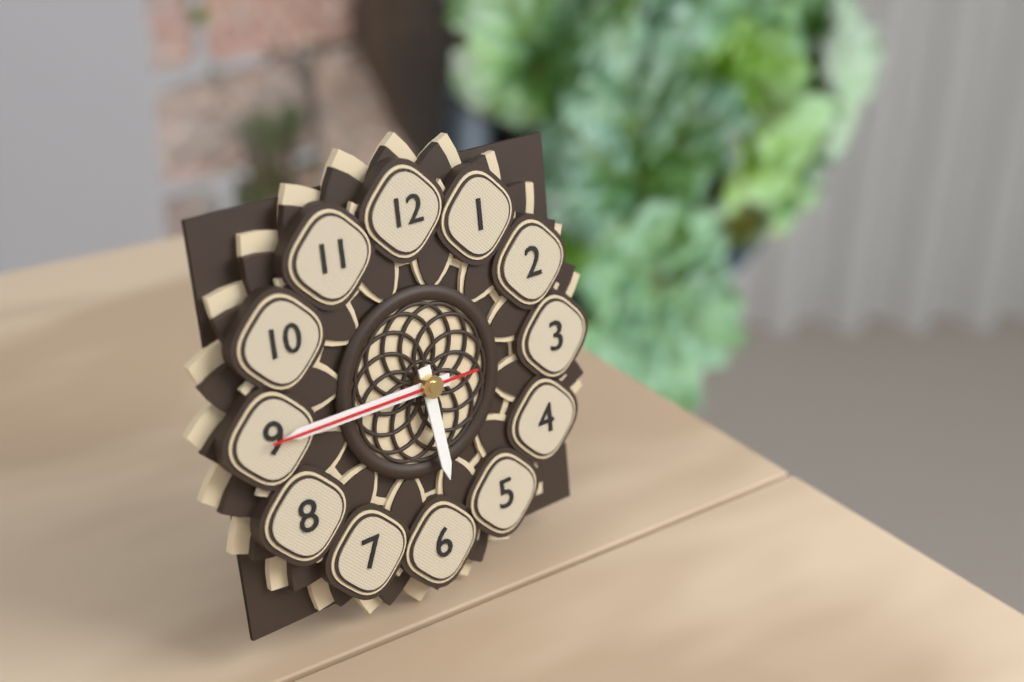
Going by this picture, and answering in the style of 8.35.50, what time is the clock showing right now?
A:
5.45.45
